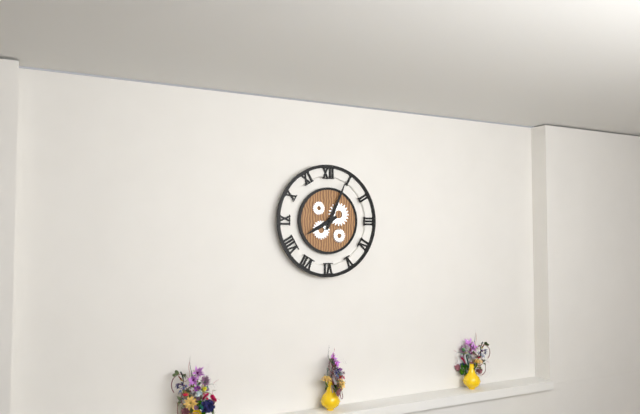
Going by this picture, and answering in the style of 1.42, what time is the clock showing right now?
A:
8.04
